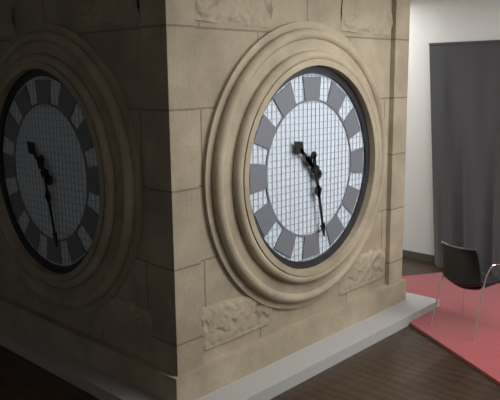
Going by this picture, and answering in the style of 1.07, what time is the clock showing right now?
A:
10.28
